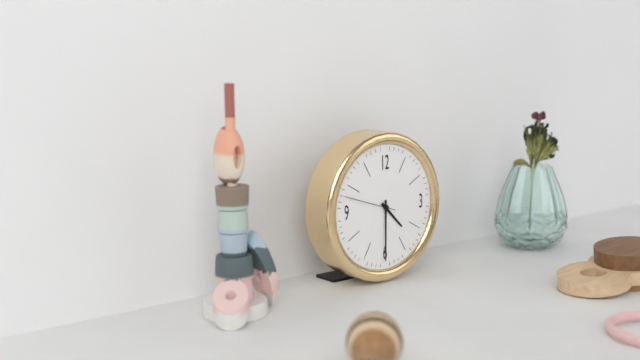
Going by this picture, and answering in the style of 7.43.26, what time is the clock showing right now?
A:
4.30.48
